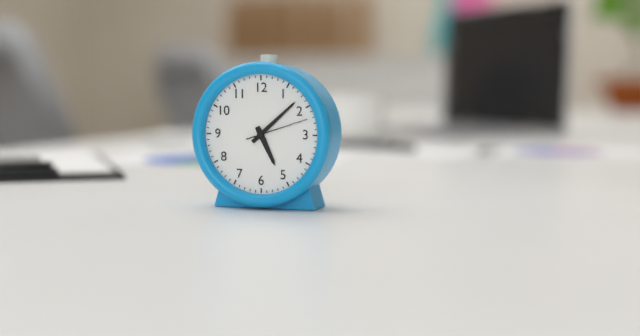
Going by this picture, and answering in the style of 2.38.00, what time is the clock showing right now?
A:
5.08.12
